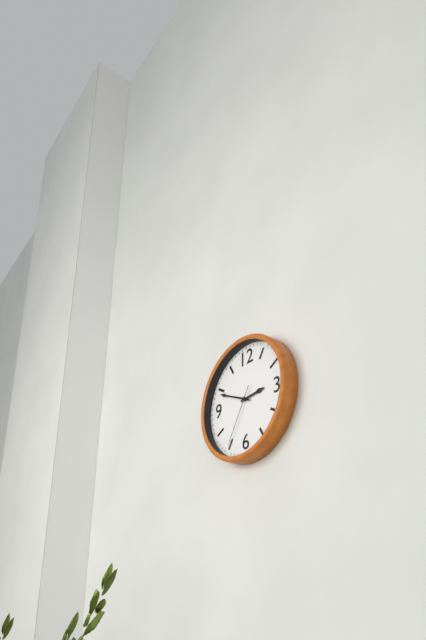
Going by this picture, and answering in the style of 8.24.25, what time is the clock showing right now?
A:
2.49.35
